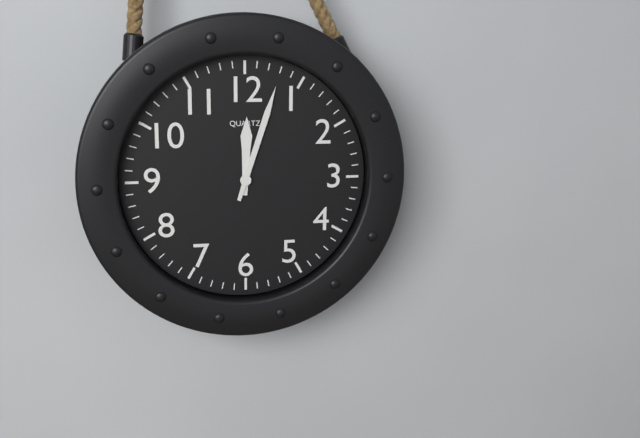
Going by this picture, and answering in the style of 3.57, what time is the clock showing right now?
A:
12.03
